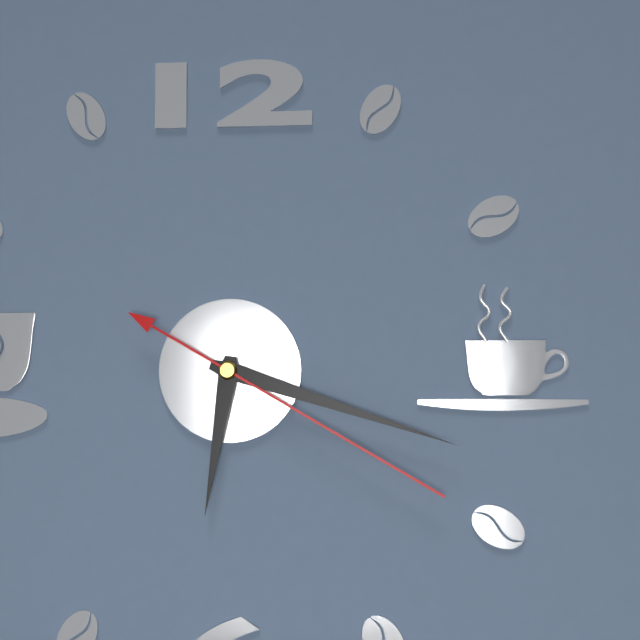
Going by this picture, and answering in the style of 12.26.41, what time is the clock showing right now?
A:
6.18.20
